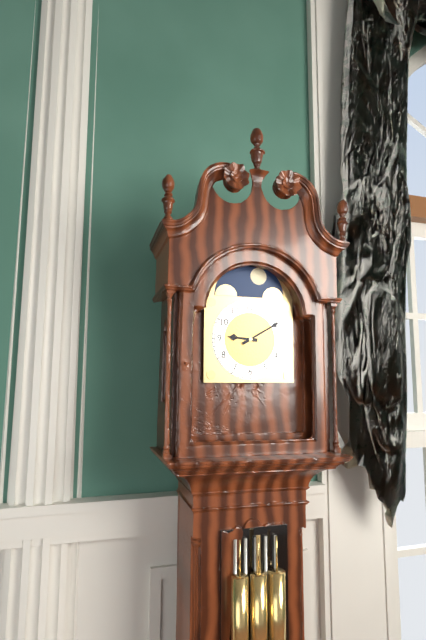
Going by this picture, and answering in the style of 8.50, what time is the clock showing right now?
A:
9.10
